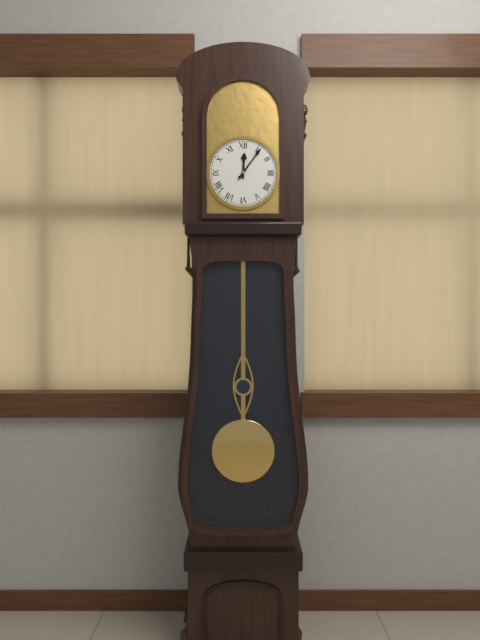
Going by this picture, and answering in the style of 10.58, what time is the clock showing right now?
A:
12.06
